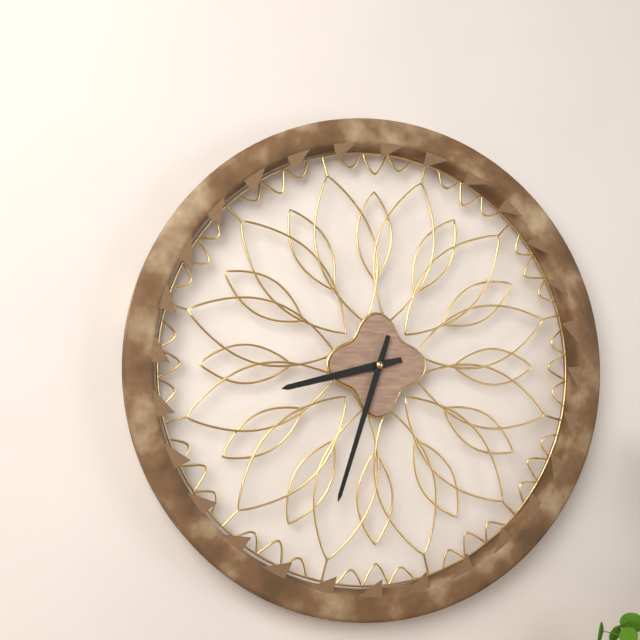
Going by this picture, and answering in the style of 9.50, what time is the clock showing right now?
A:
8.33
